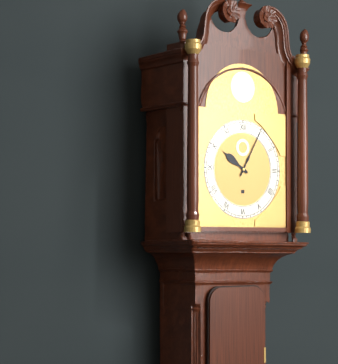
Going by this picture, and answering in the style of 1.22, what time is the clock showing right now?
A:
10.05
